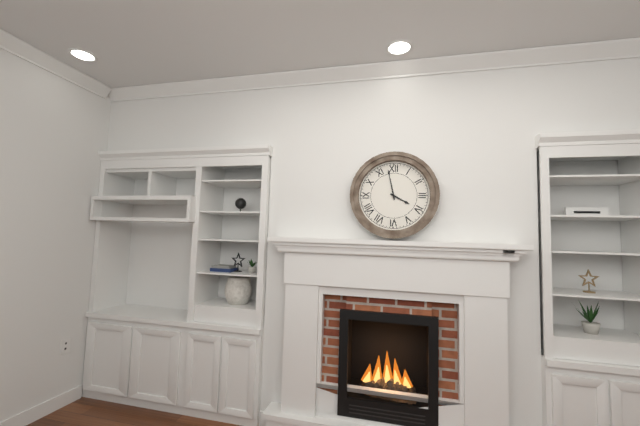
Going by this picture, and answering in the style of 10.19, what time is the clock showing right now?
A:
3.58
